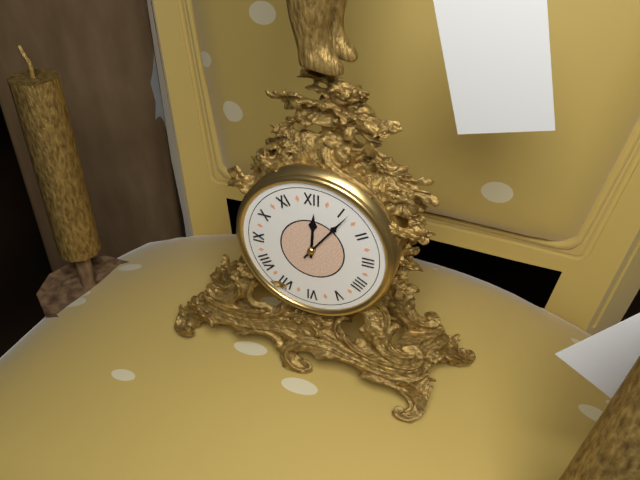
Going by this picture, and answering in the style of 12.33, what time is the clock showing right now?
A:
12.06
